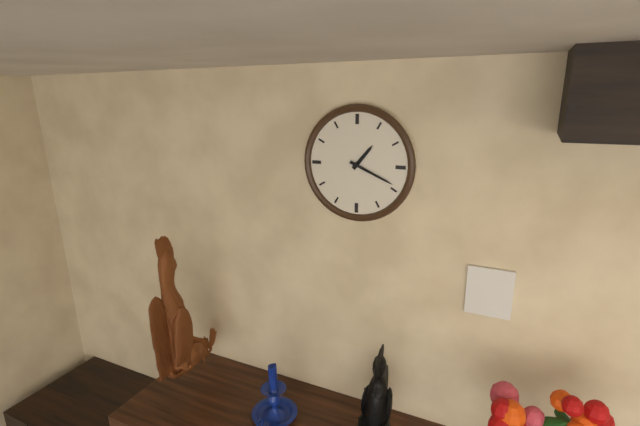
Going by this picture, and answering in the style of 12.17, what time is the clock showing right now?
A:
1.19
